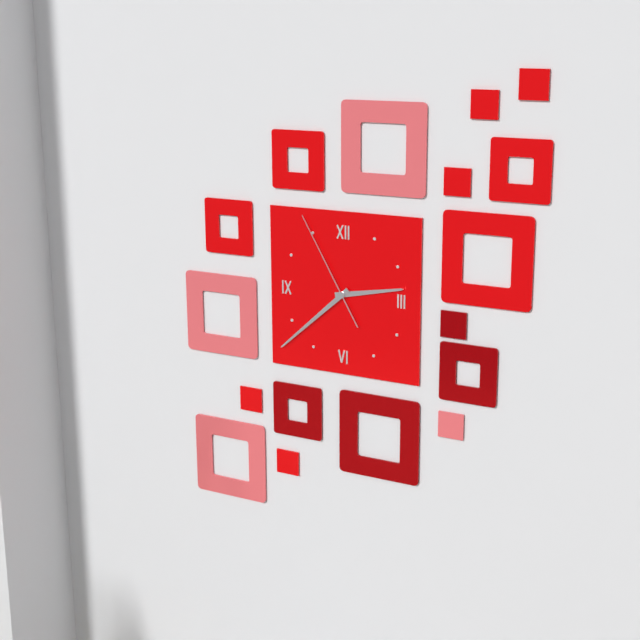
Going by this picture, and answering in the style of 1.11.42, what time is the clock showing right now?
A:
2.38.55
